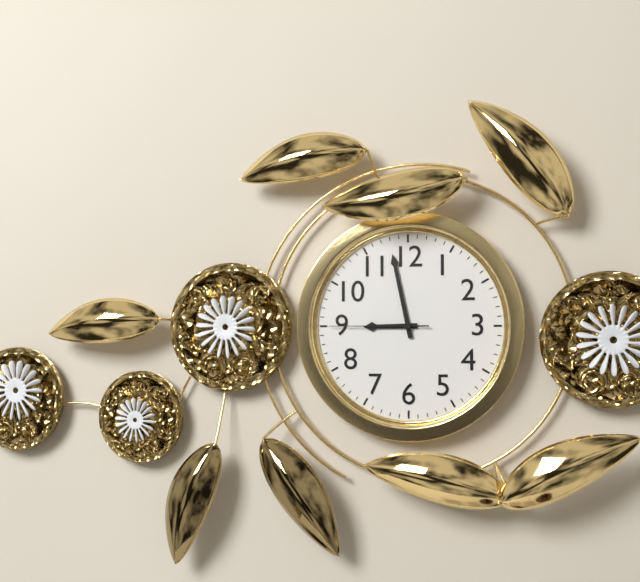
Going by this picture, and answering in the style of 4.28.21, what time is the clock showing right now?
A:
8.58.45
